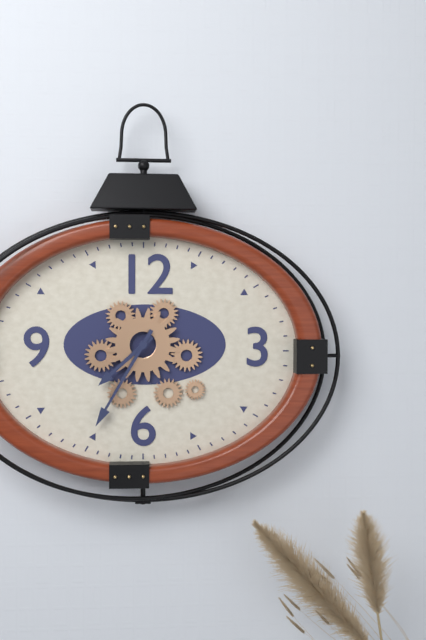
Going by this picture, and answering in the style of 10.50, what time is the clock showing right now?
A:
7.35
